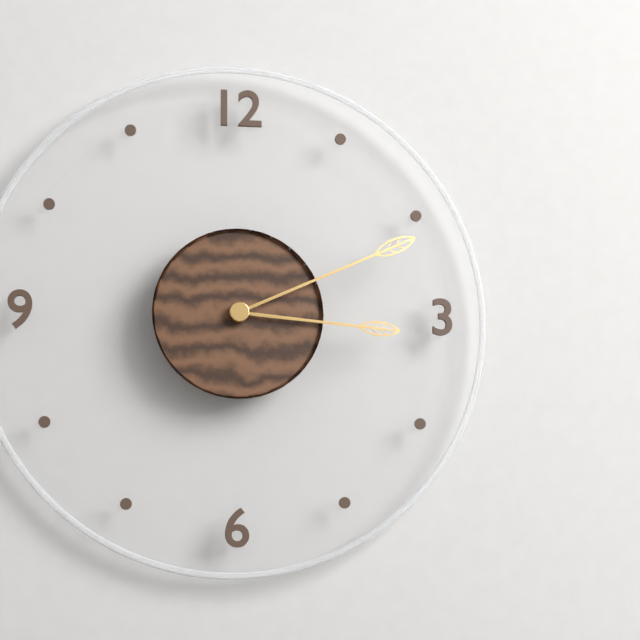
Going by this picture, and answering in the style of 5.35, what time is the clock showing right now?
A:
3.11
